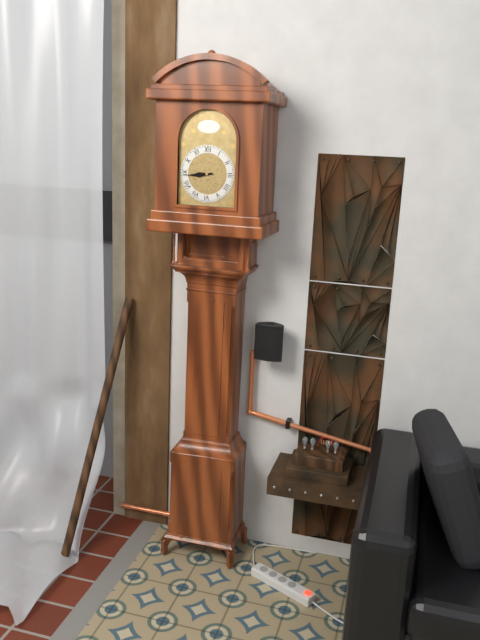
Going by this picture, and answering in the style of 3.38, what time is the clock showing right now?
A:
8.44
